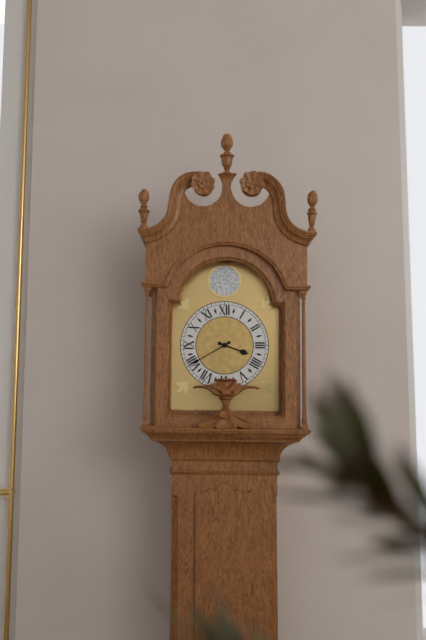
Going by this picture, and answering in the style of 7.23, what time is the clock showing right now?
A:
3.40
